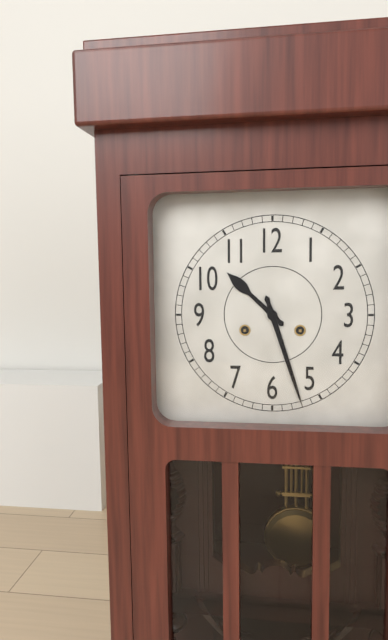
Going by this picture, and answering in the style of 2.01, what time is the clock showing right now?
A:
10.27
